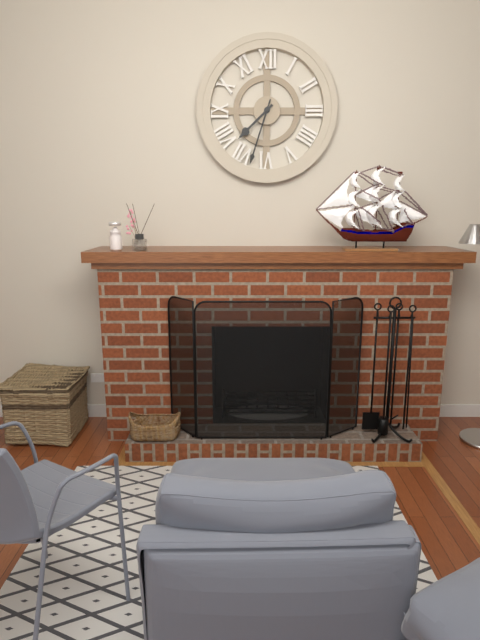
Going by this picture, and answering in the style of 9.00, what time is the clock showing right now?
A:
7.33
